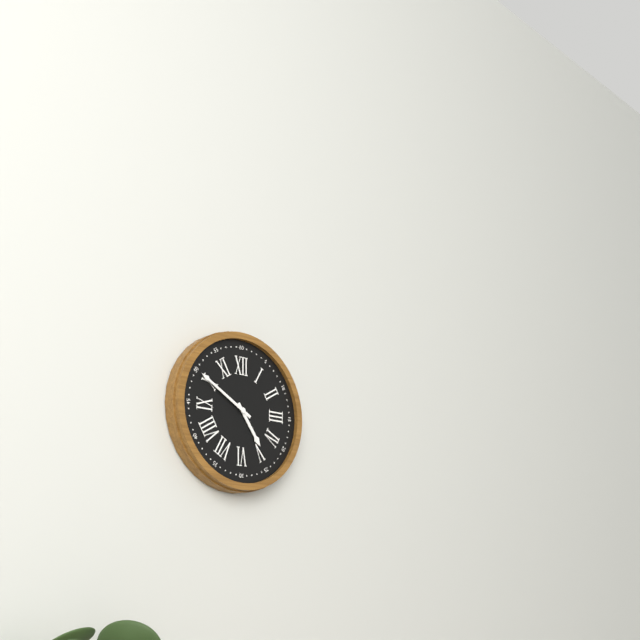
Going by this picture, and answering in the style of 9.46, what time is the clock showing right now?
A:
4.50
